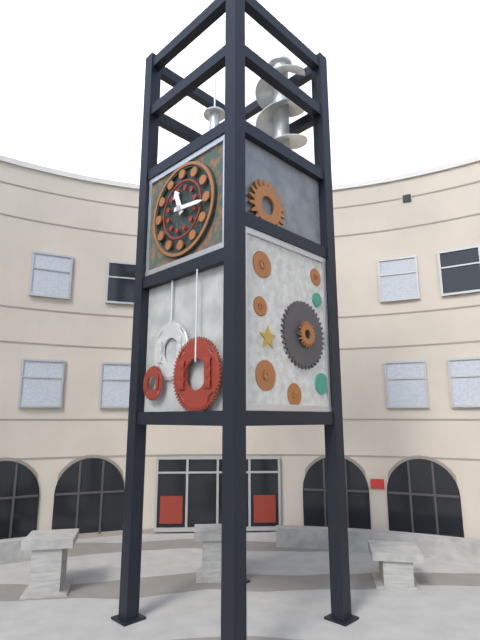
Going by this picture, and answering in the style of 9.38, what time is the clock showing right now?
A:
11.16
